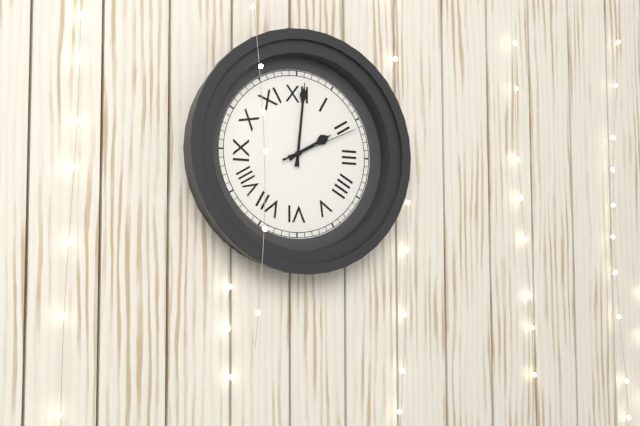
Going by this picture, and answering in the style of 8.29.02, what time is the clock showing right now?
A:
2.01.11
